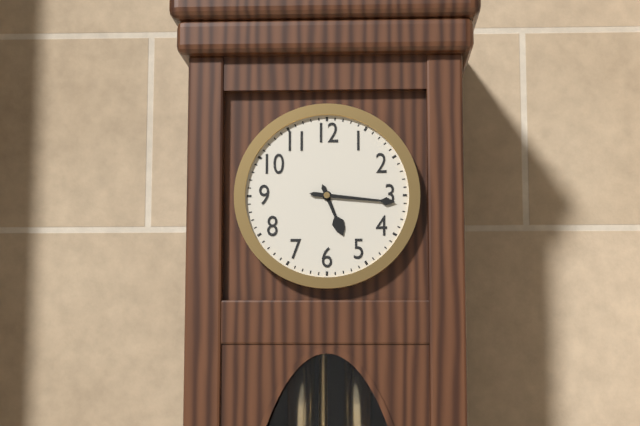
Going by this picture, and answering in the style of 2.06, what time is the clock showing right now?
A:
5.16
